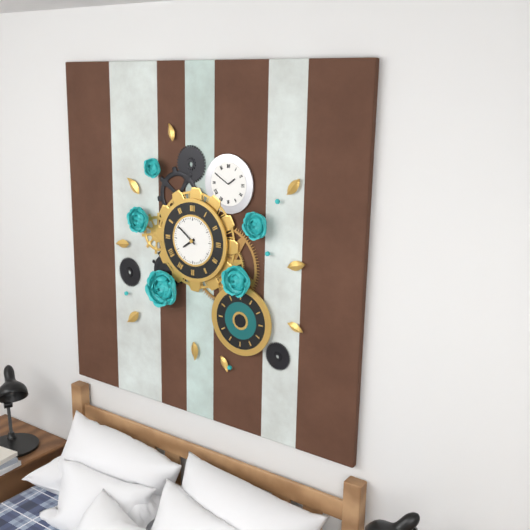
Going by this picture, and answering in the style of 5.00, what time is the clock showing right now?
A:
7.51
